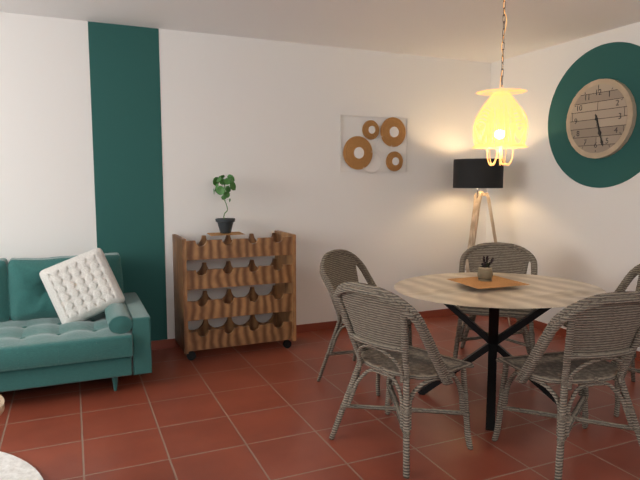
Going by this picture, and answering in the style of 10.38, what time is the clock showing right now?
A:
5.27
